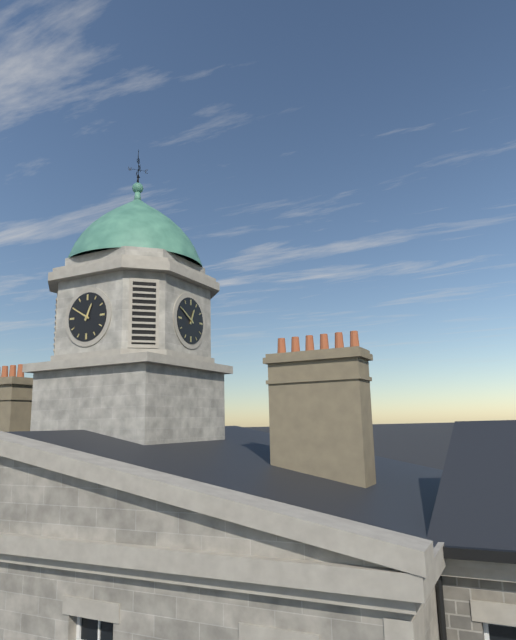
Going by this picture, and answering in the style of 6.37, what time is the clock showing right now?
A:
12.50
